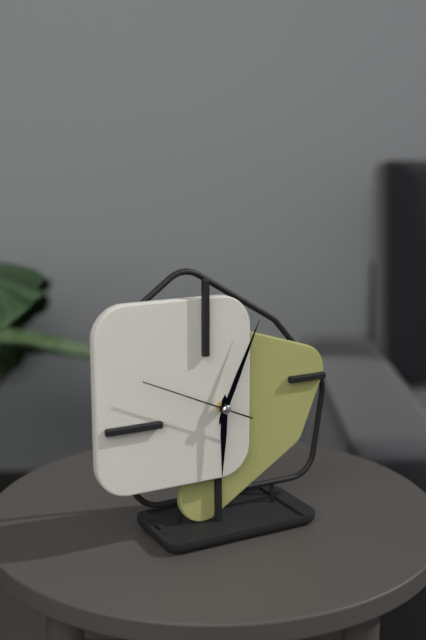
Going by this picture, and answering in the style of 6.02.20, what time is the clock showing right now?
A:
6.04.49
